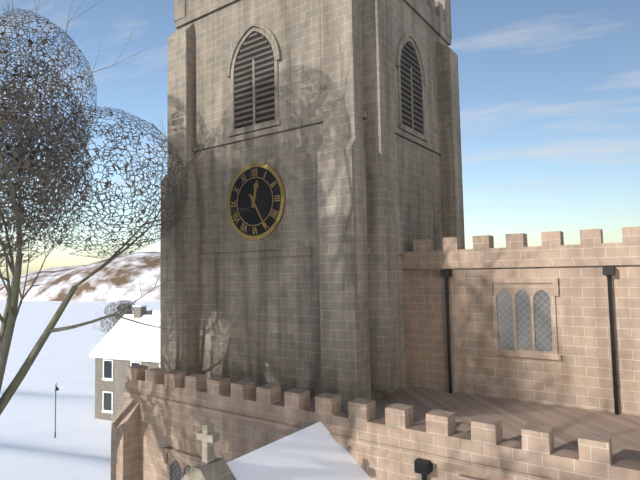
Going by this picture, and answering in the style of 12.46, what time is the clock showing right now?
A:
12.25
